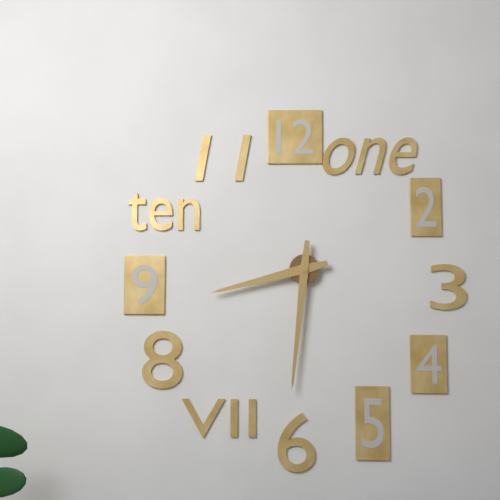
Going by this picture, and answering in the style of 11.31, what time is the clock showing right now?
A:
8.31
